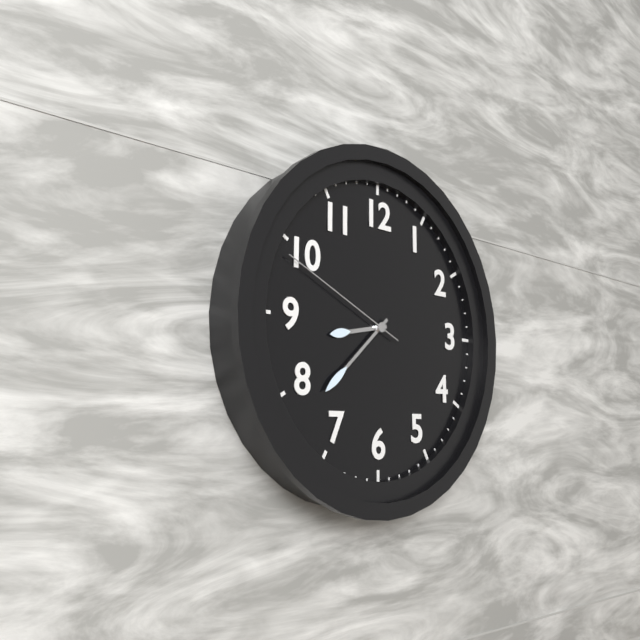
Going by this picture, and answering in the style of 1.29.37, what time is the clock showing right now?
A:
8.38.49
